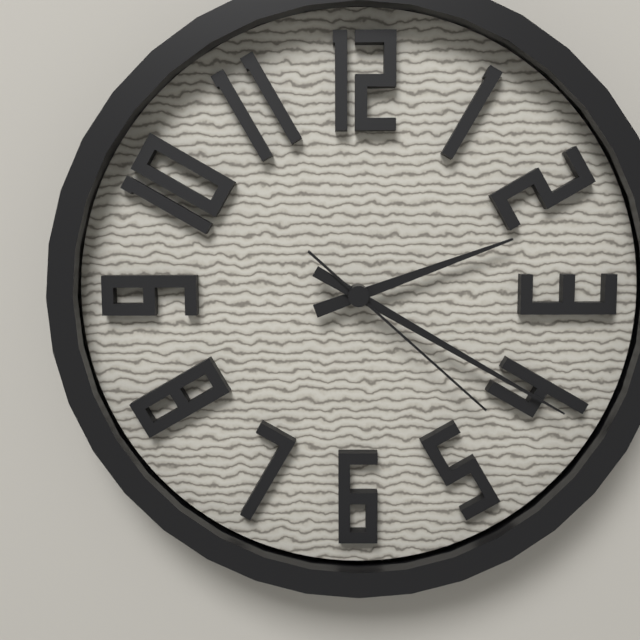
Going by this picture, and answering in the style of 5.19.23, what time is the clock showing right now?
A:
2.20.22
